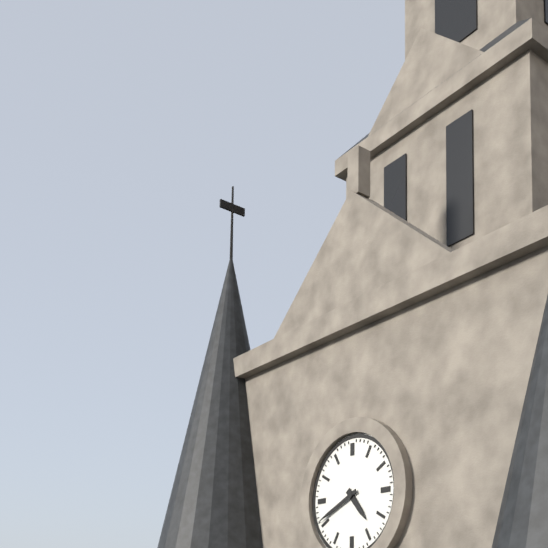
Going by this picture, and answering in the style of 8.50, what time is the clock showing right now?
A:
4.41
